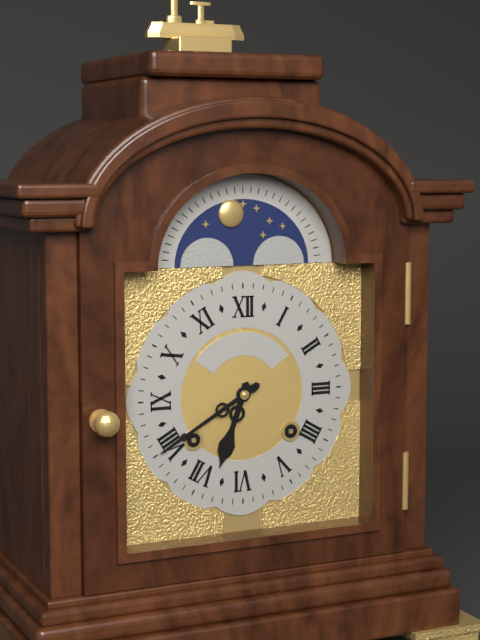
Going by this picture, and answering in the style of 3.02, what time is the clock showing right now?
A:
6.40
